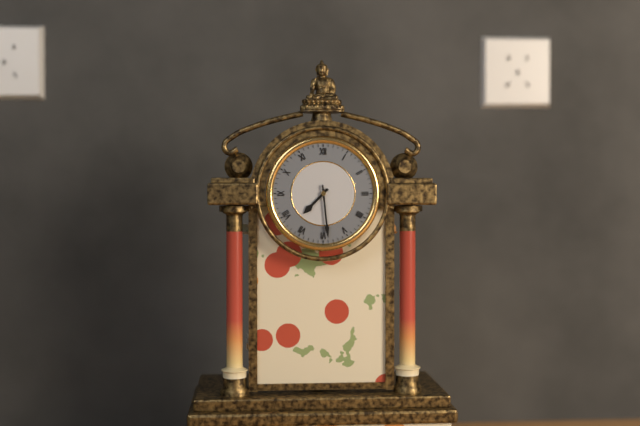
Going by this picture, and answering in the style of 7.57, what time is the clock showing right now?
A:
7.29
